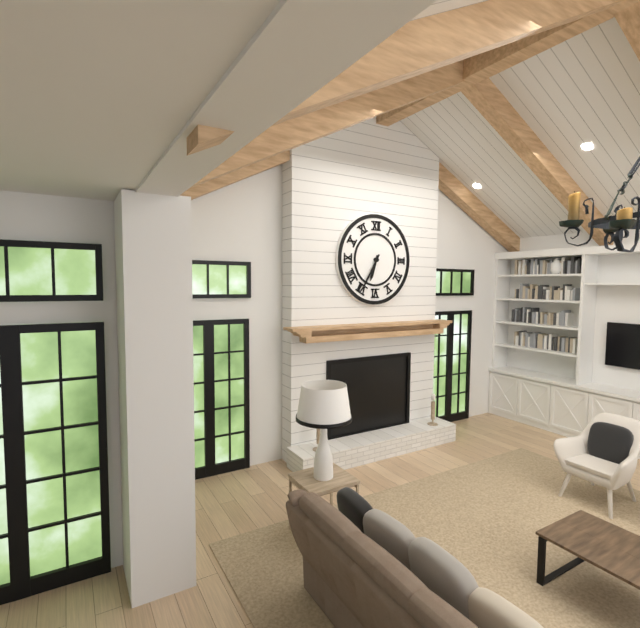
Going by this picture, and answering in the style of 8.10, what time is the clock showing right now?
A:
6.35
